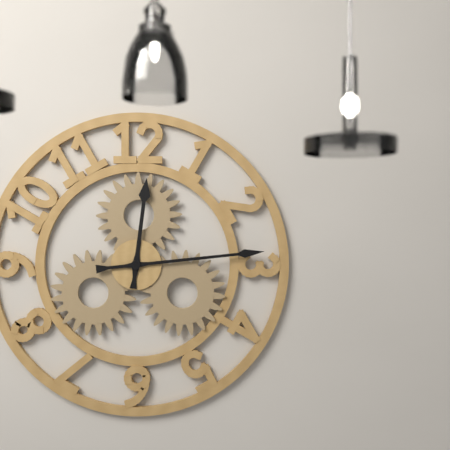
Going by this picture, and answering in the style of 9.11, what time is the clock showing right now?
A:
12.14
